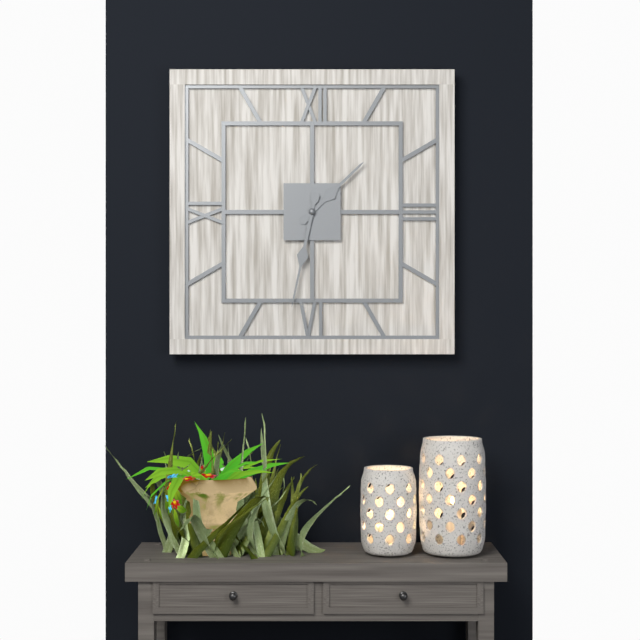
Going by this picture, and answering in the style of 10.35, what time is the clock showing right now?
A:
1.32
